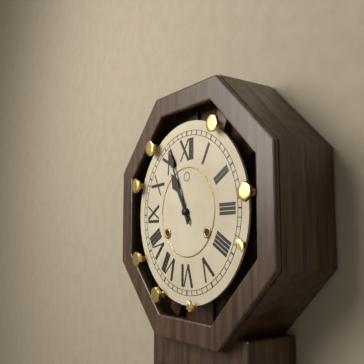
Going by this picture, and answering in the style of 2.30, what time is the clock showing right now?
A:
10.56
